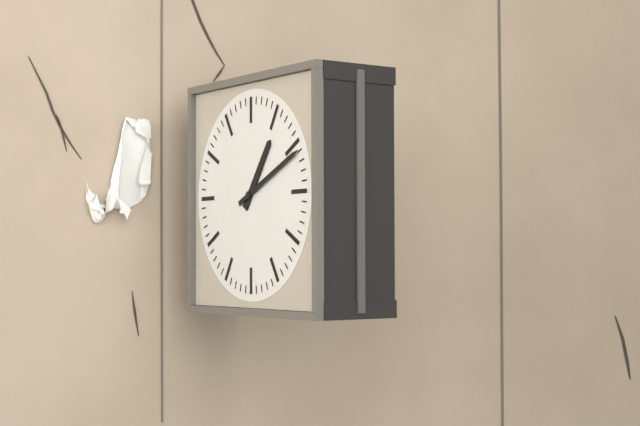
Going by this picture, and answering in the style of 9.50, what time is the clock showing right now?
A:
1.11
